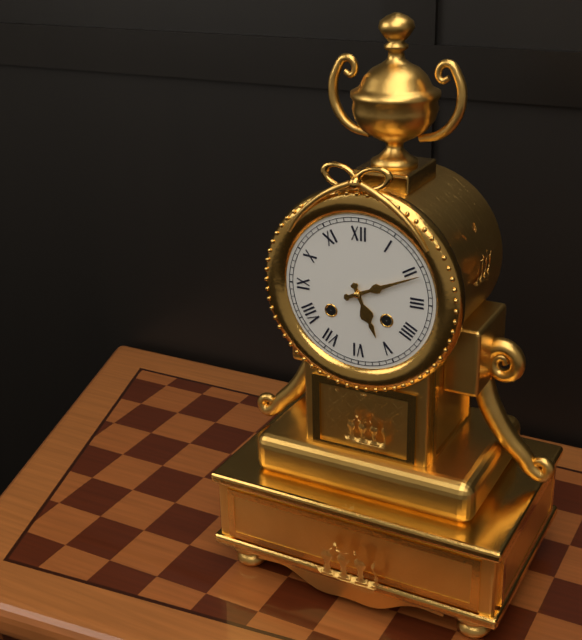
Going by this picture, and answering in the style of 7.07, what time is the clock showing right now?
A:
5.11
